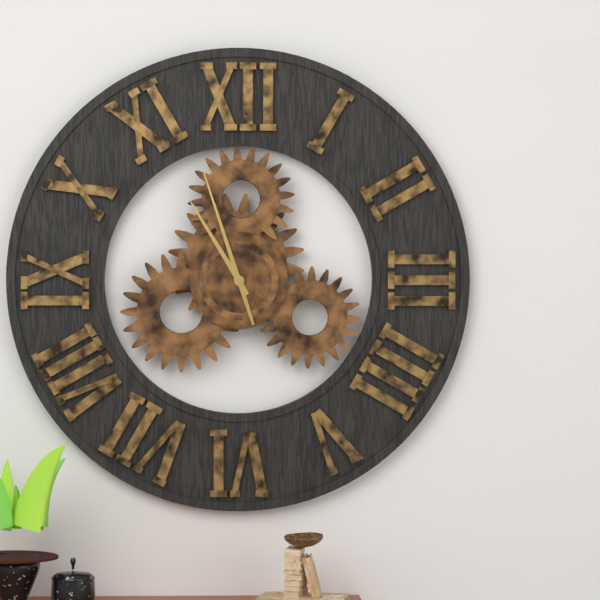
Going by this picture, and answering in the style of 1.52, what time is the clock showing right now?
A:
10.57
